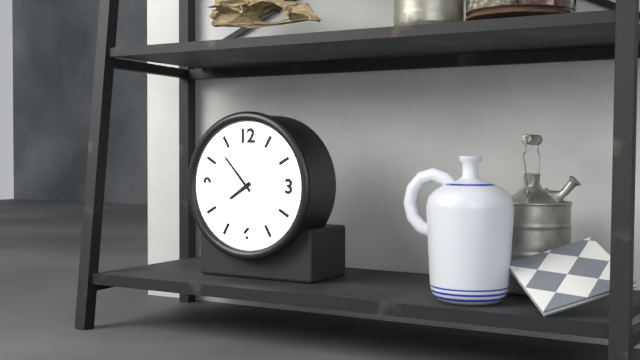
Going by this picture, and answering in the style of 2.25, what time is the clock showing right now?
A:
7.53
